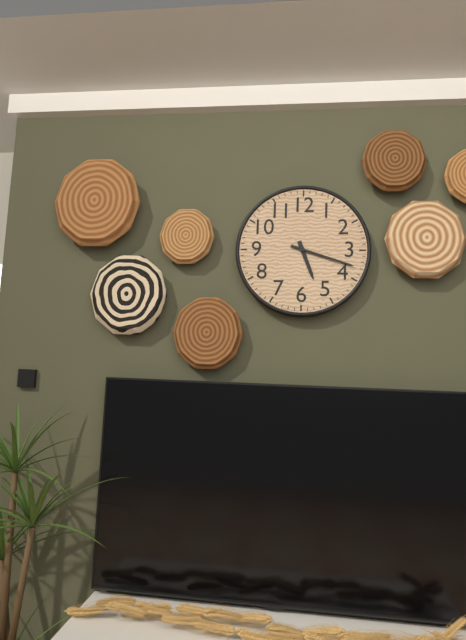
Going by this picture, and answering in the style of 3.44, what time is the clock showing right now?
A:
5.18
